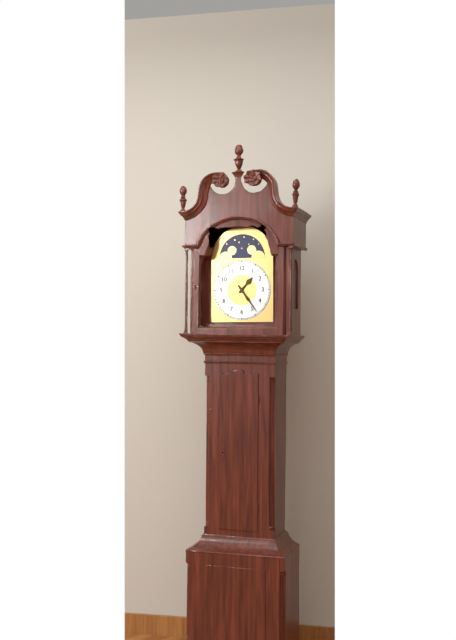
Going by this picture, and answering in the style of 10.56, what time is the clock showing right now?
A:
1.24
